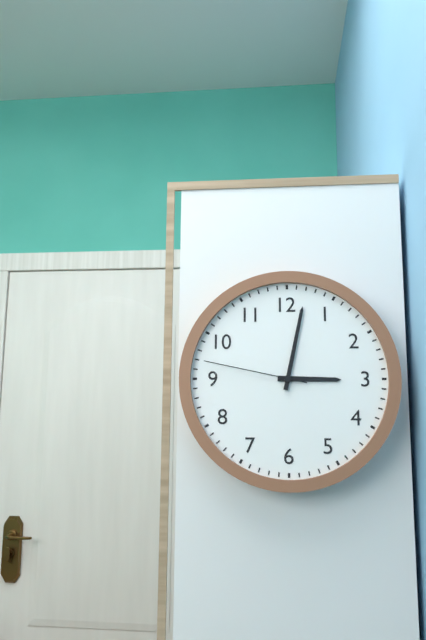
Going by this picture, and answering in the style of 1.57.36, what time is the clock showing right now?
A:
3.02.47
